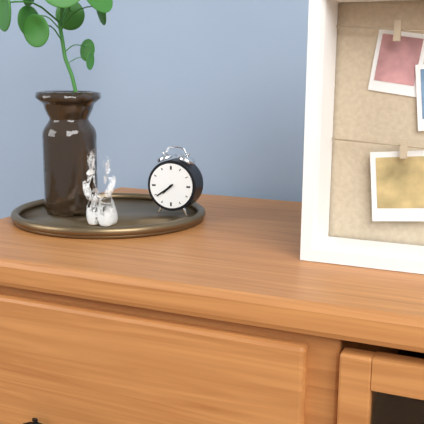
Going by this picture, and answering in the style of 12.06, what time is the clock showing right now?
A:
7.39
